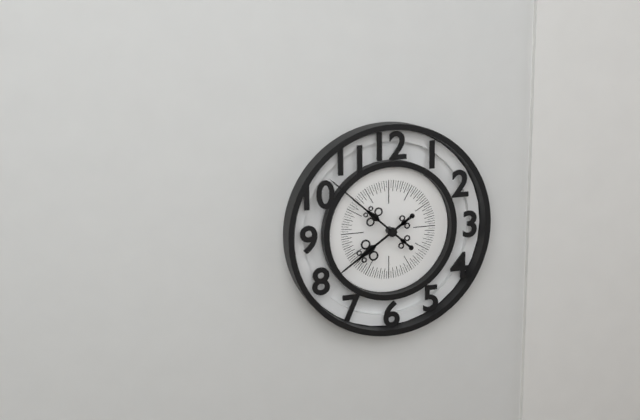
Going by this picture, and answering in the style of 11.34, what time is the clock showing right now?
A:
7.52
